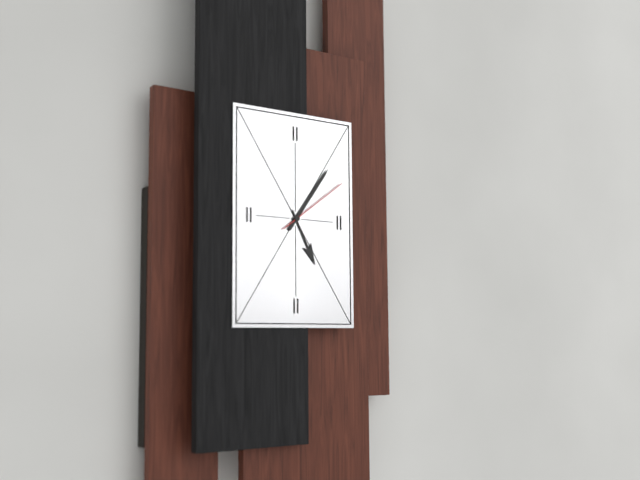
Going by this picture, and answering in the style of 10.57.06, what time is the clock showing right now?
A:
5.06.09
